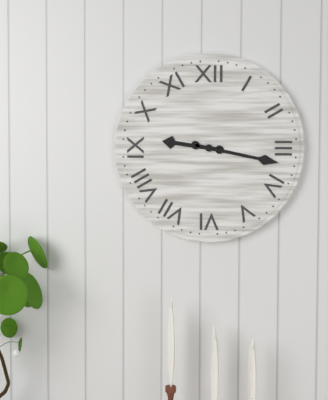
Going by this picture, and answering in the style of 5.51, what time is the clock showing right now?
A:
9.17
